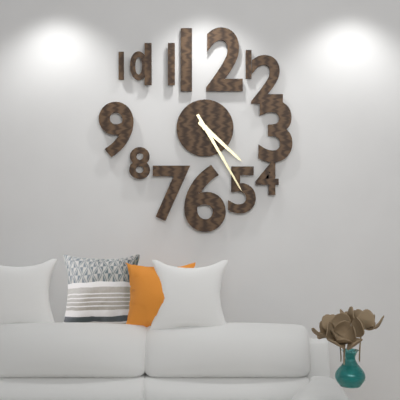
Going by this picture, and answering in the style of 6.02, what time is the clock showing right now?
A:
4.25
